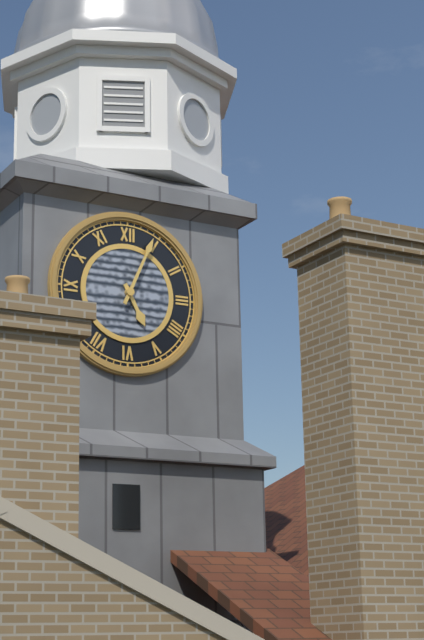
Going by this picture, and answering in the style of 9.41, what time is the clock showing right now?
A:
5.04
